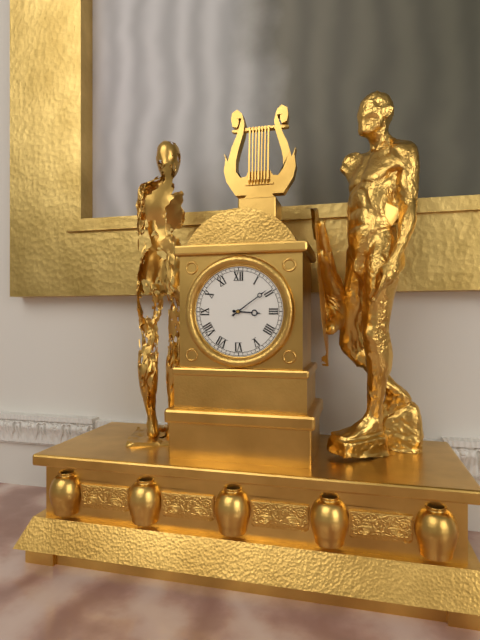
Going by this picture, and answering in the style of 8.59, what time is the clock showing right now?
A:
3.09
